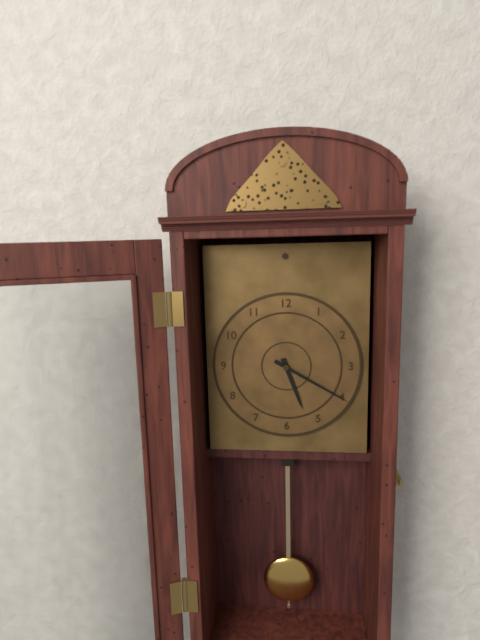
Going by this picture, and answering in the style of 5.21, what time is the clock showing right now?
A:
5.20
